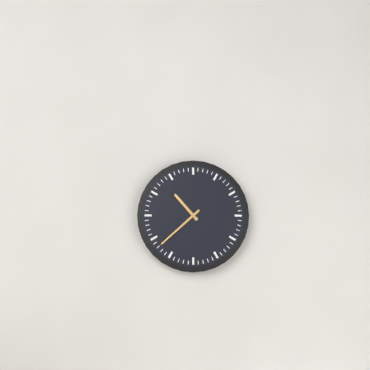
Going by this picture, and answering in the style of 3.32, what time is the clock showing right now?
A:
10.38
